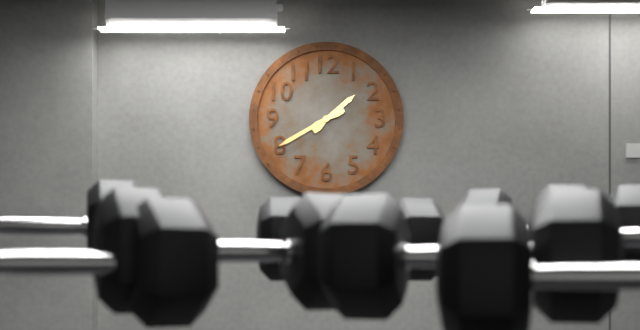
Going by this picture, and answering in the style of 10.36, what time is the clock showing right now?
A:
1.40
